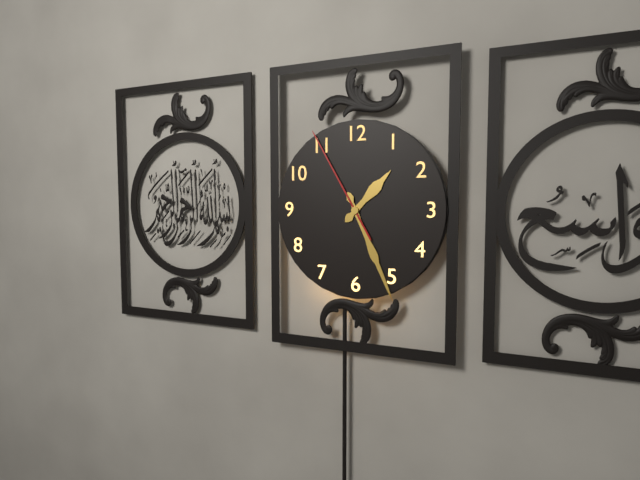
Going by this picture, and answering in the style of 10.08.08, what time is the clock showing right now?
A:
1.26.55
